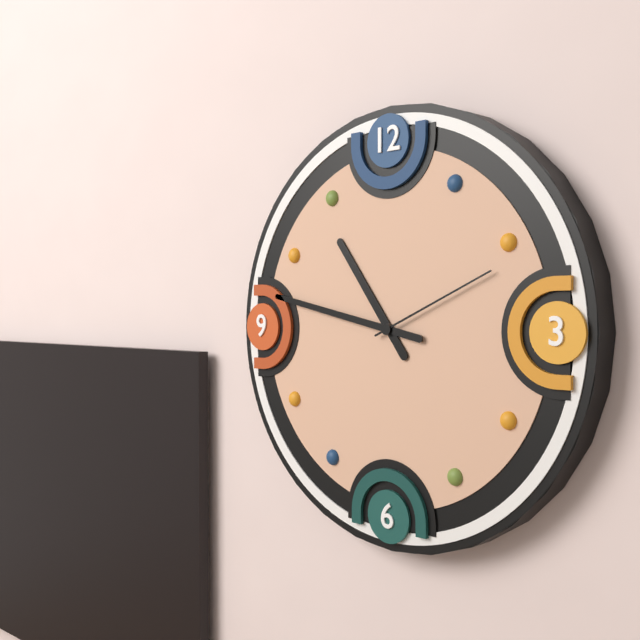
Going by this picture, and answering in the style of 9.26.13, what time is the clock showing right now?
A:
10.47.11
